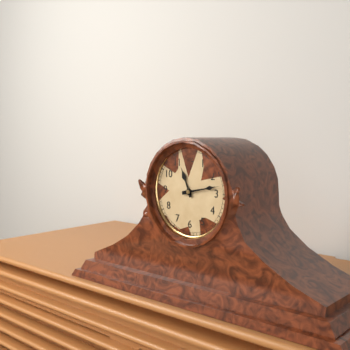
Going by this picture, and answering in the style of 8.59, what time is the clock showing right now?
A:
11.13
